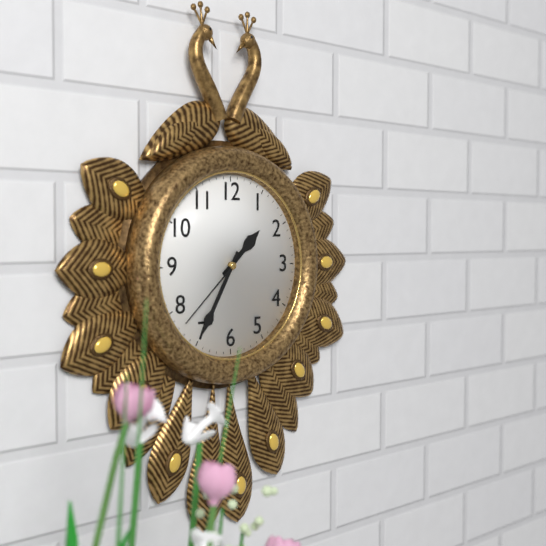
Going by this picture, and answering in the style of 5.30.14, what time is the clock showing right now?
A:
1.35.38
